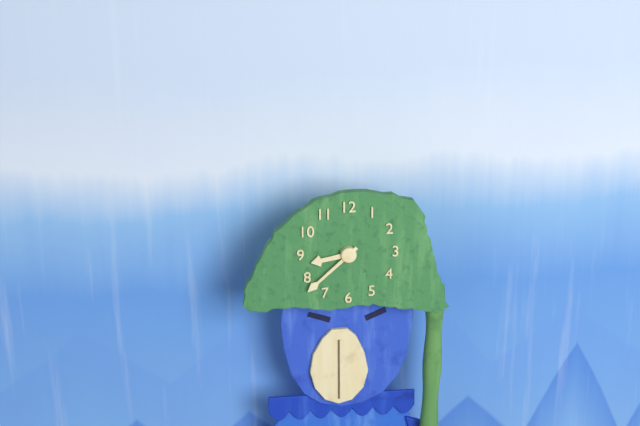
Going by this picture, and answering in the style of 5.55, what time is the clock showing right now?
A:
8.38
